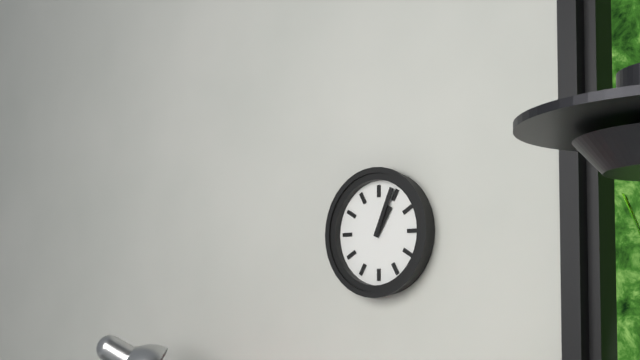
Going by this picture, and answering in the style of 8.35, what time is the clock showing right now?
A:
1.04
